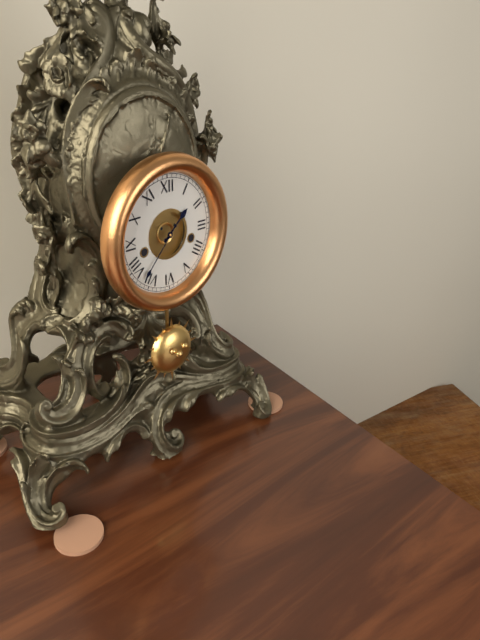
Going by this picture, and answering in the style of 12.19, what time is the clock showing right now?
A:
1.37
